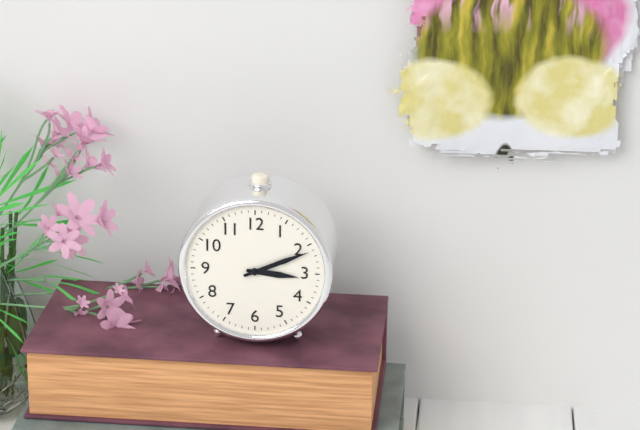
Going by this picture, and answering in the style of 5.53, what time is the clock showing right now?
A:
3.11
